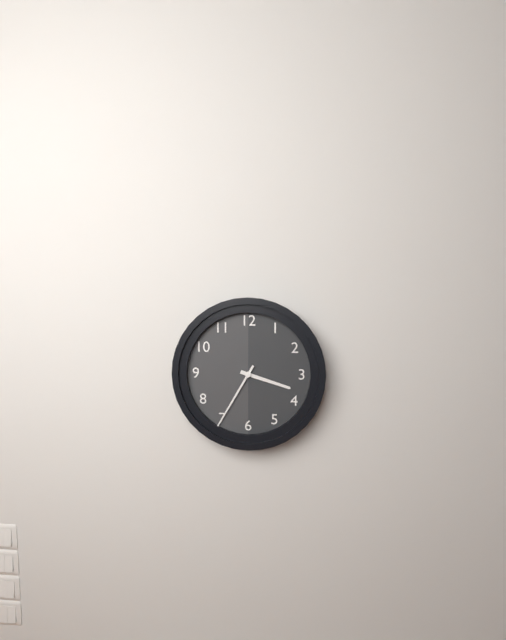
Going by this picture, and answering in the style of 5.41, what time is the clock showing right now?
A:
3.35
